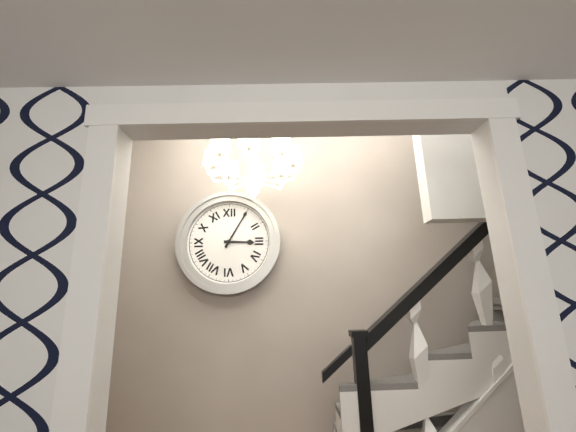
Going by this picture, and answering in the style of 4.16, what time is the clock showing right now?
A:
3.05
